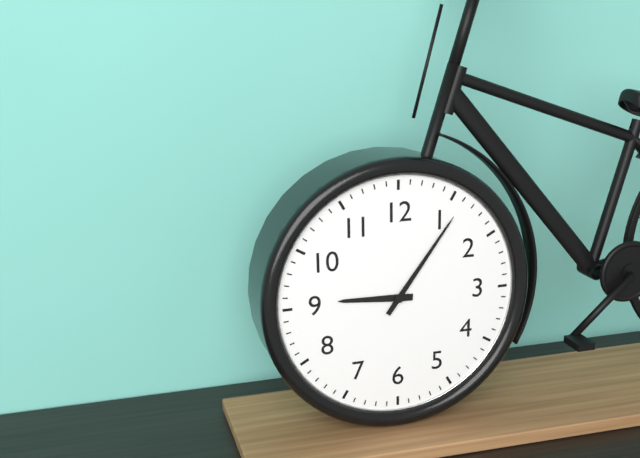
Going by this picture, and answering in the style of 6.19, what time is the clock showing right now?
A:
9.06
